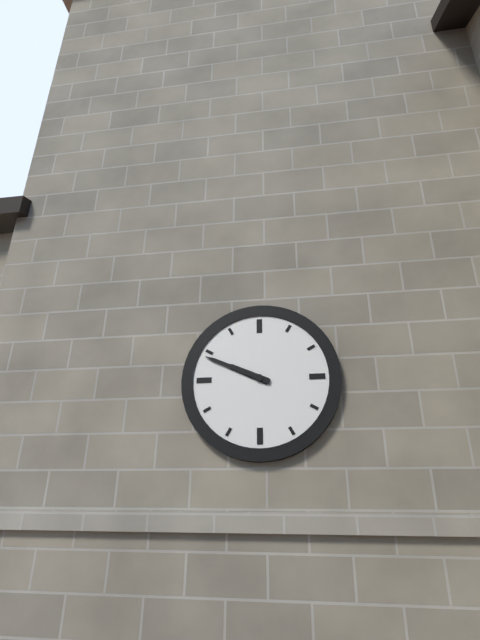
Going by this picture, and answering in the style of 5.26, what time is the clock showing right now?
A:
9.49
